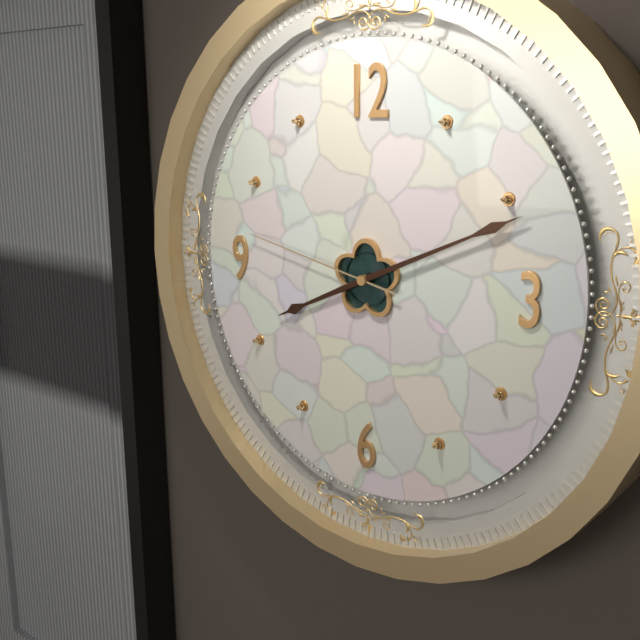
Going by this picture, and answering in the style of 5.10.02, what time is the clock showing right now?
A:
8.11.47
